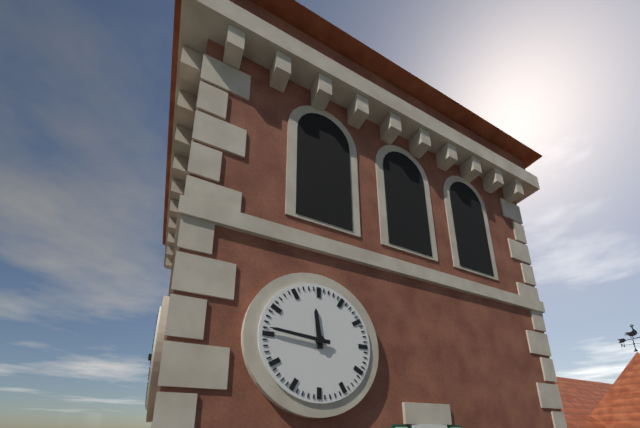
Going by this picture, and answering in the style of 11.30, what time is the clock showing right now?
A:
11.46
